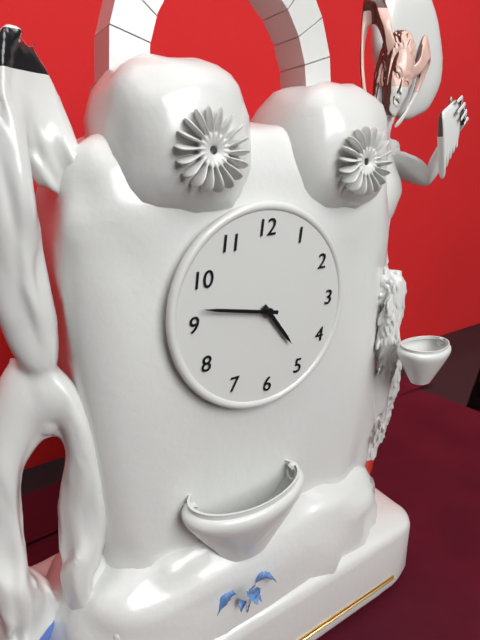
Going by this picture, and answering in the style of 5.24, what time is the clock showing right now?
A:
4.47
